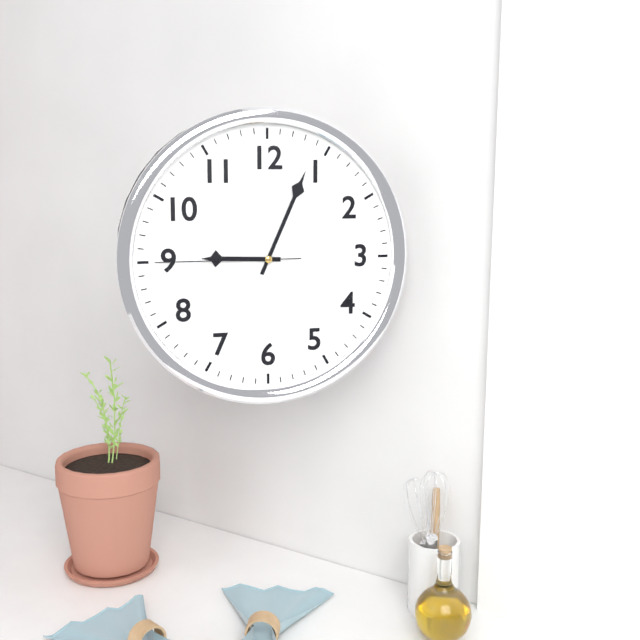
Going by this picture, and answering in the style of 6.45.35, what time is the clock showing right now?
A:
9.04.45
